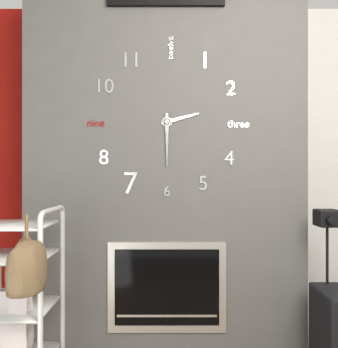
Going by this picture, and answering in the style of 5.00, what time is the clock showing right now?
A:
2.30
